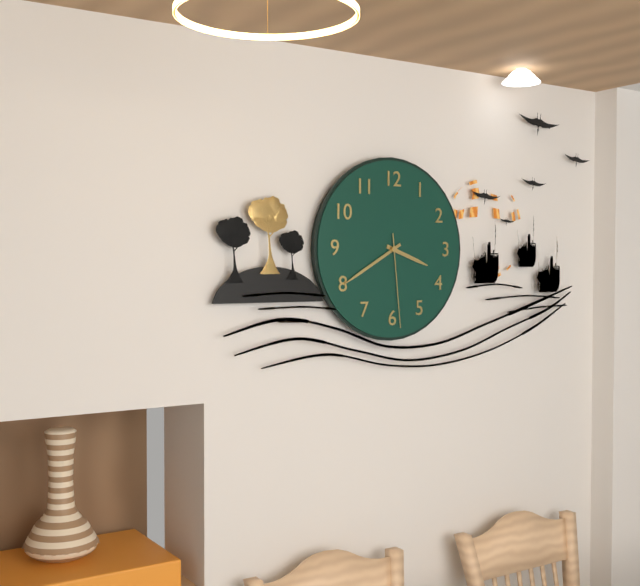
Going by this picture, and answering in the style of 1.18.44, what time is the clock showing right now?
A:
3.40.29
